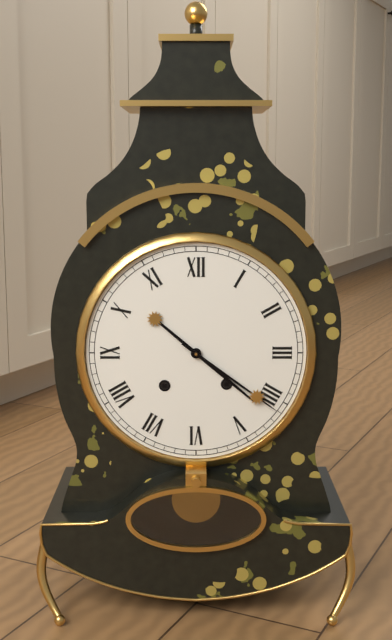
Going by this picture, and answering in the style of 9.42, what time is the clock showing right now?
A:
4.21
